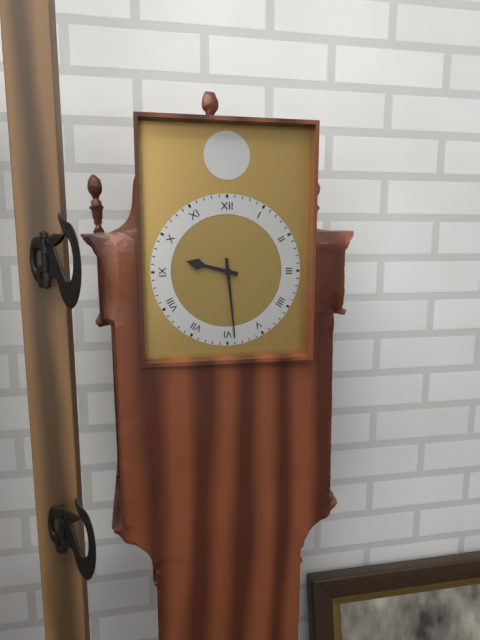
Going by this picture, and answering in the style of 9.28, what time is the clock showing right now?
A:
9.29
